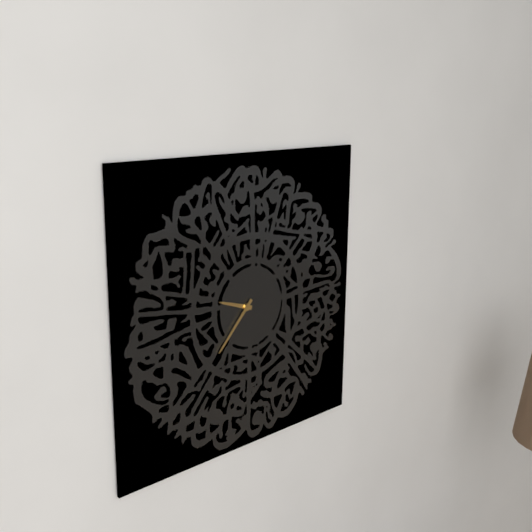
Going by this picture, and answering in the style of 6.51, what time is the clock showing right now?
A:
9.37
